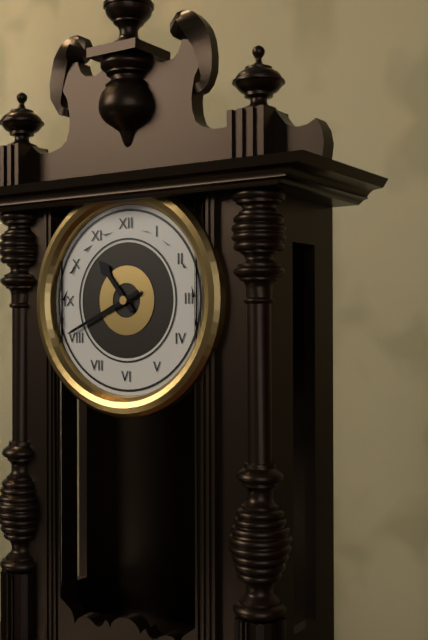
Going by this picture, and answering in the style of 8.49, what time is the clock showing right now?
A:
10.41
